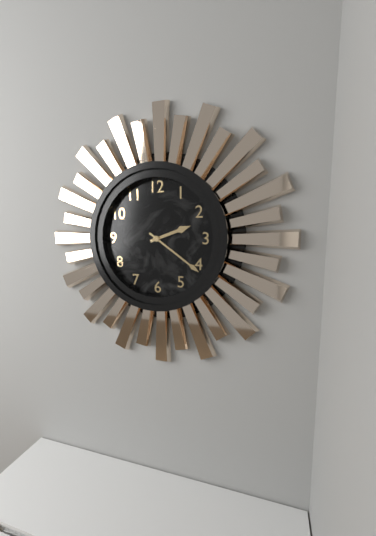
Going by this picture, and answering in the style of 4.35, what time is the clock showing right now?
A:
2.21
